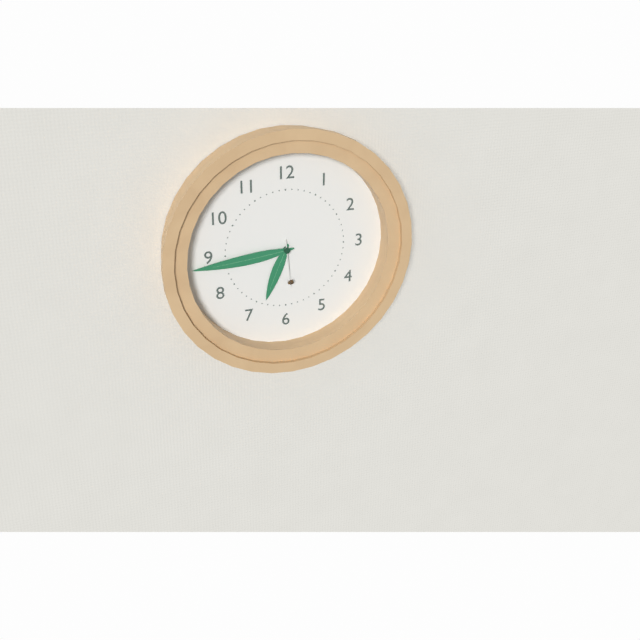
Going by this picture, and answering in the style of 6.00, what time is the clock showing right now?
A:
6.44
